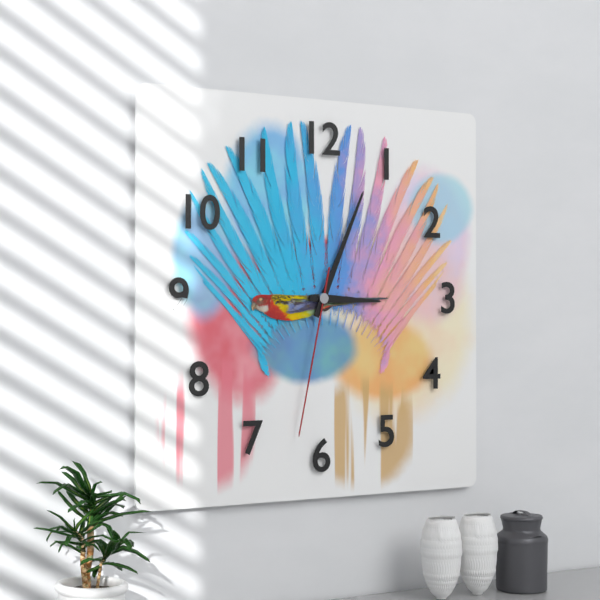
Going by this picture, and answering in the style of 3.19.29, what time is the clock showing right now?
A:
3.04.32
